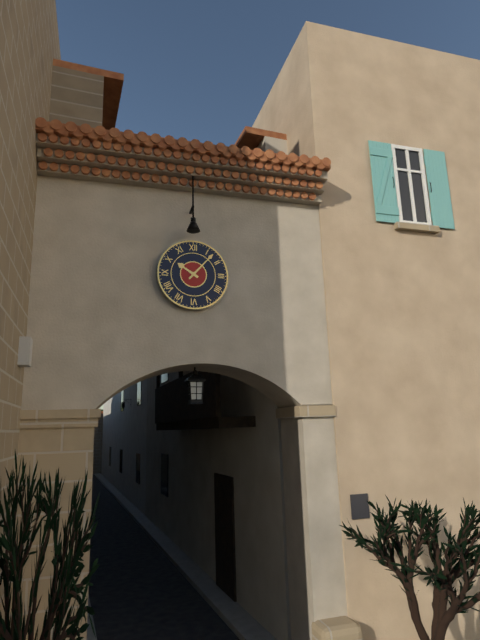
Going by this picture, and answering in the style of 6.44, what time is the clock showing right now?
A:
10.07
